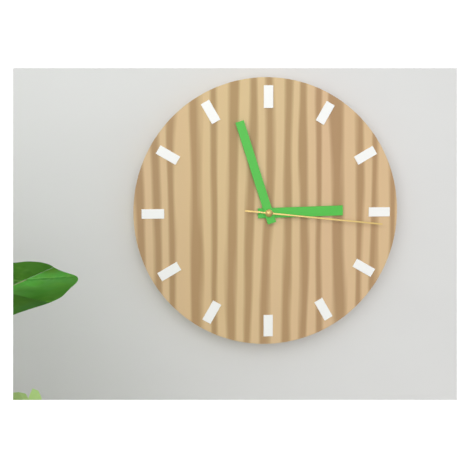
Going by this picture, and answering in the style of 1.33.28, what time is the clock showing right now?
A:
2.57.16
